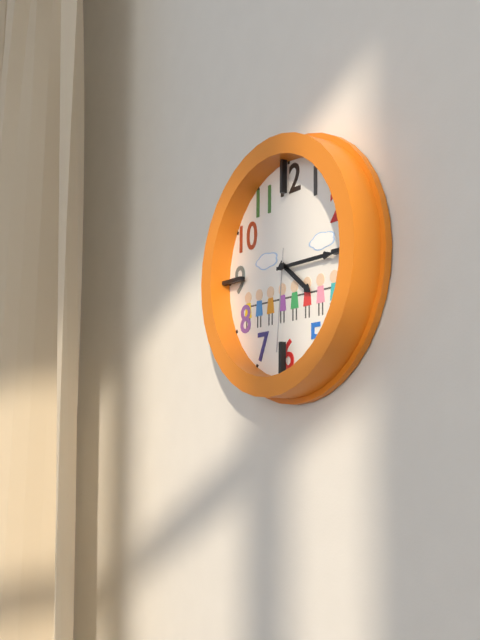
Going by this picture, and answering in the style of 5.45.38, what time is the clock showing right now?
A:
4.15.31
